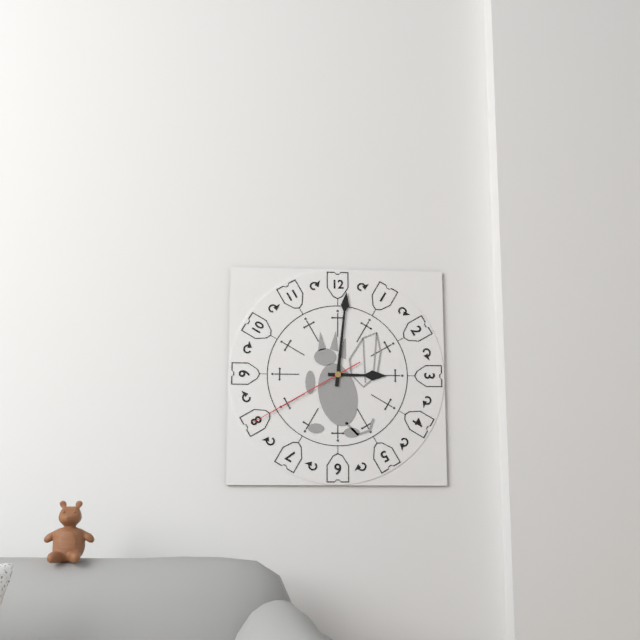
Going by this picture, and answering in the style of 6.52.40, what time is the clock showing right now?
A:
3.01.40
